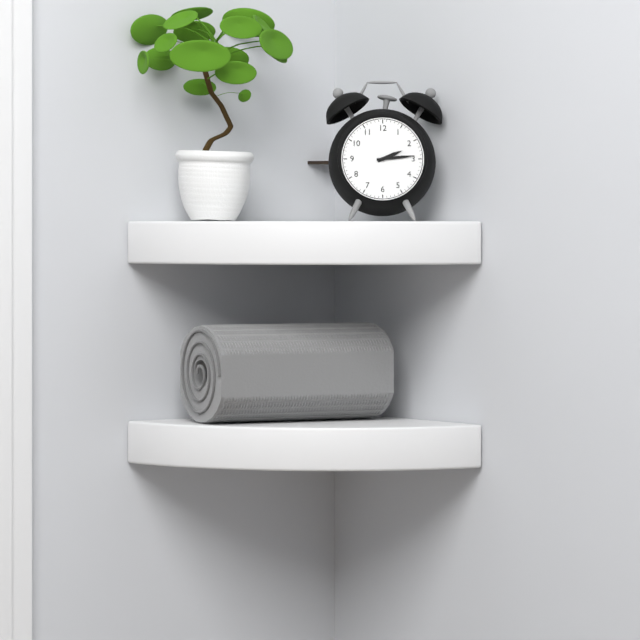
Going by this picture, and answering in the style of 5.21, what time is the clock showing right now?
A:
2.14
